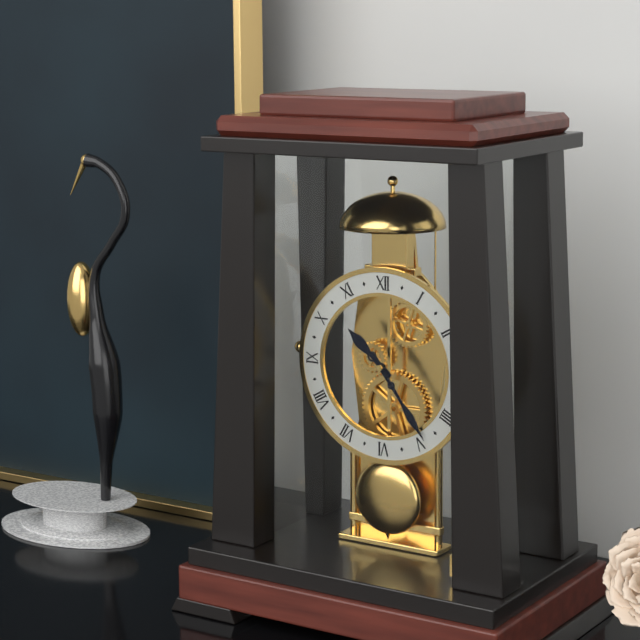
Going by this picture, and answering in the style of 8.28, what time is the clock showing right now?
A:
10.24
